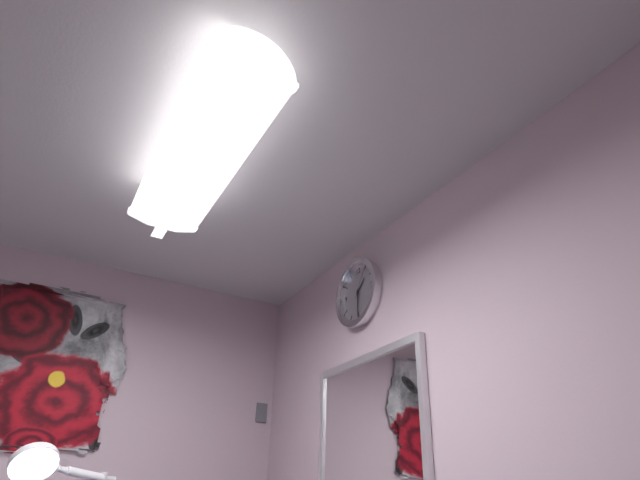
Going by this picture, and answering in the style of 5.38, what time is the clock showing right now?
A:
1.30
